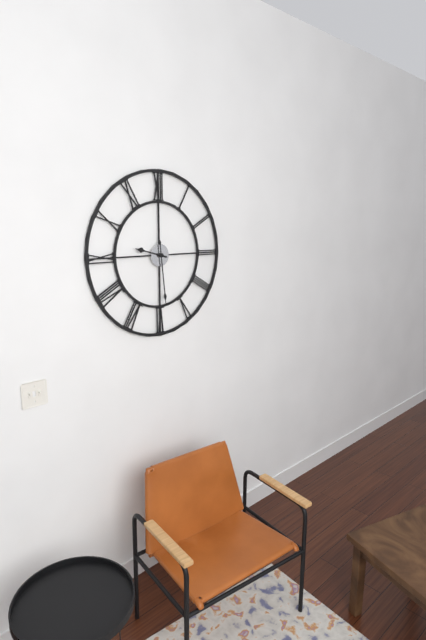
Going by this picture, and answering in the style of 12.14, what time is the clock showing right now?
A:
9.29
